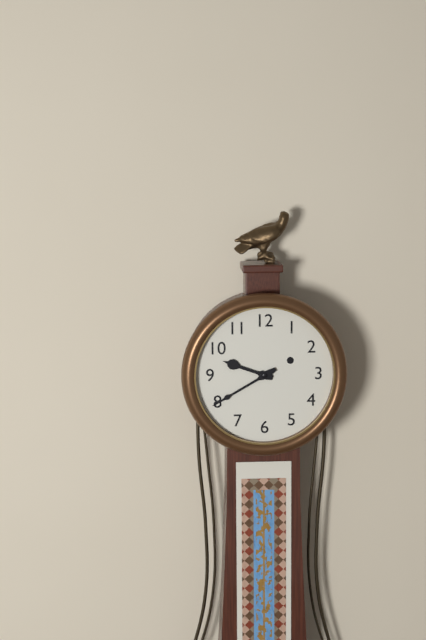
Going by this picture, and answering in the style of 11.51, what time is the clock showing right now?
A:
9.40
